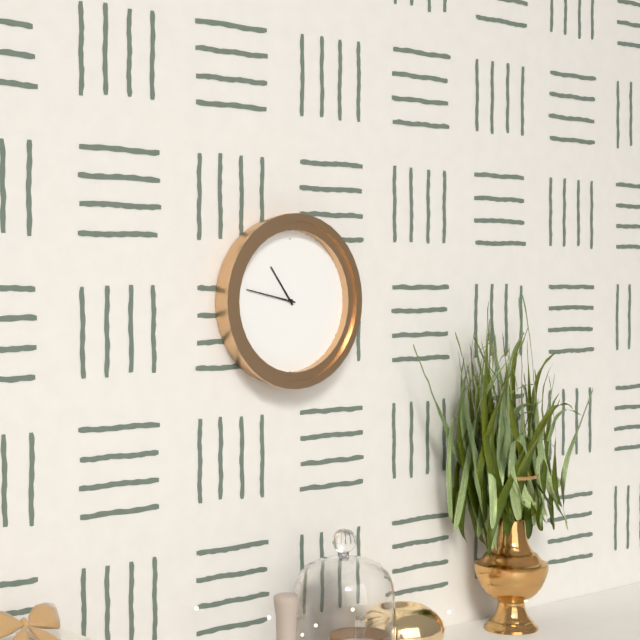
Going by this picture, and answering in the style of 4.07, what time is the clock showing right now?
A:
10.47
